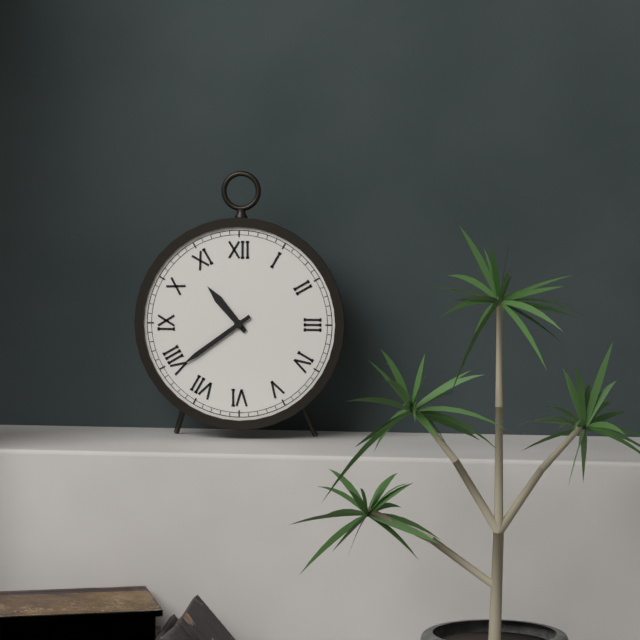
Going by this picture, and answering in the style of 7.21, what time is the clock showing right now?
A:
10.39
